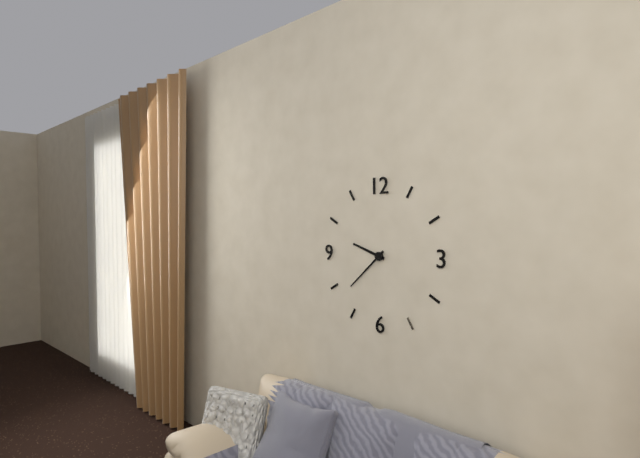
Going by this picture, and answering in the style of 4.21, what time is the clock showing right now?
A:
9.38
